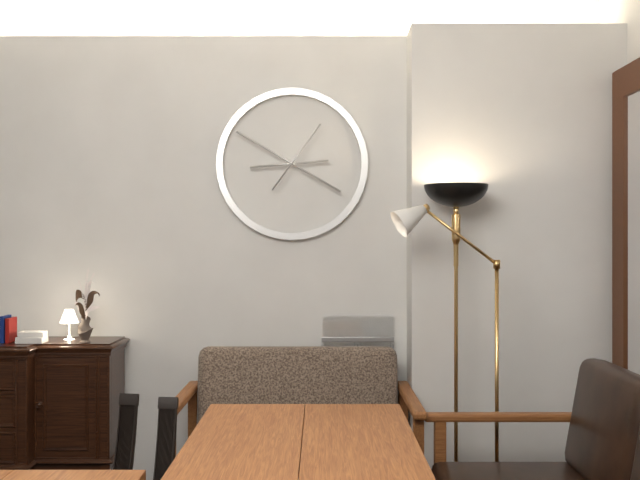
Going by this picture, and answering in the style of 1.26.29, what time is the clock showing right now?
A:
8.50.06
